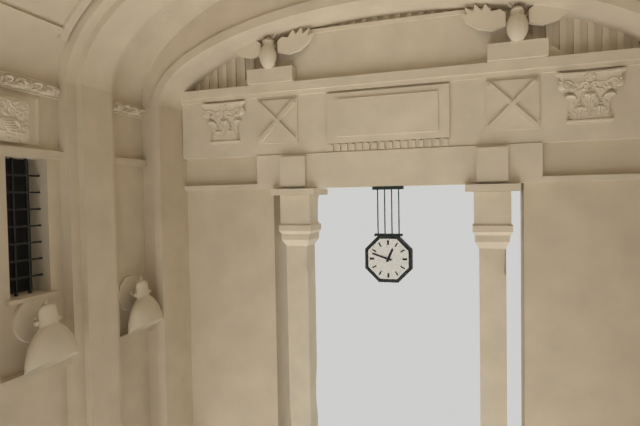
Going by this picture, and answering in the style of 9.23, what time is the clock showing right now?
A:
12.48
